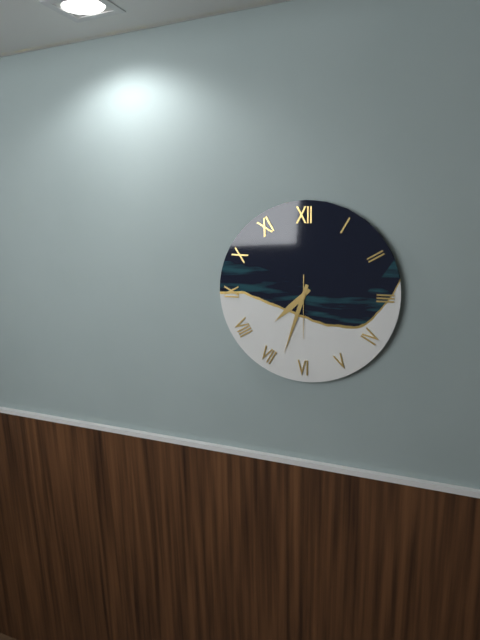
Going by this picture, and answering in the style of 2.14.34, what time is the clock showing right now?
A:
7.33.30
